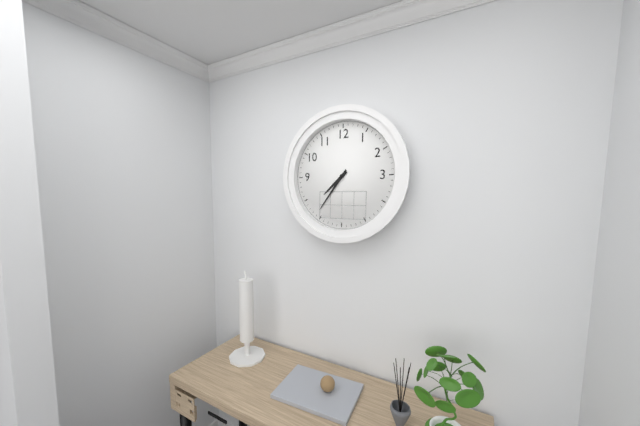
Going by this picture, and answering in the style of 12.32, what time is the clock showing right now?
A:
7.36
